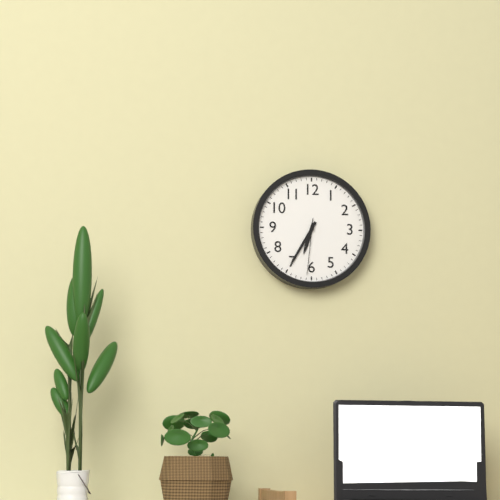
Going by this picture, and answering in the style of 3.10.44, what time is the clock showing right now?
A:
6.35.31
